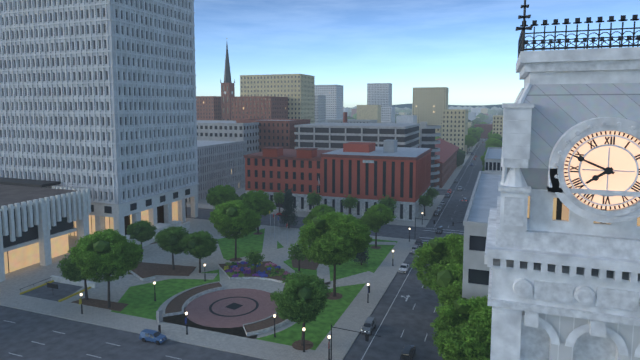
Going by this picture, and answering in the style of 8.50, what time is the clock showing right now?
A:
7.49
